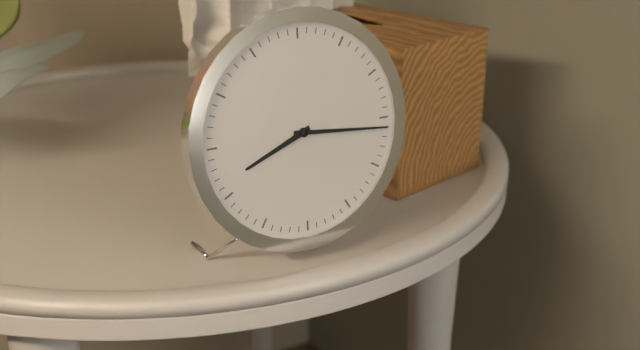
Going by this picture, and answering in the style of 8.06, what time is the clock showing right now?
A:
8.16
